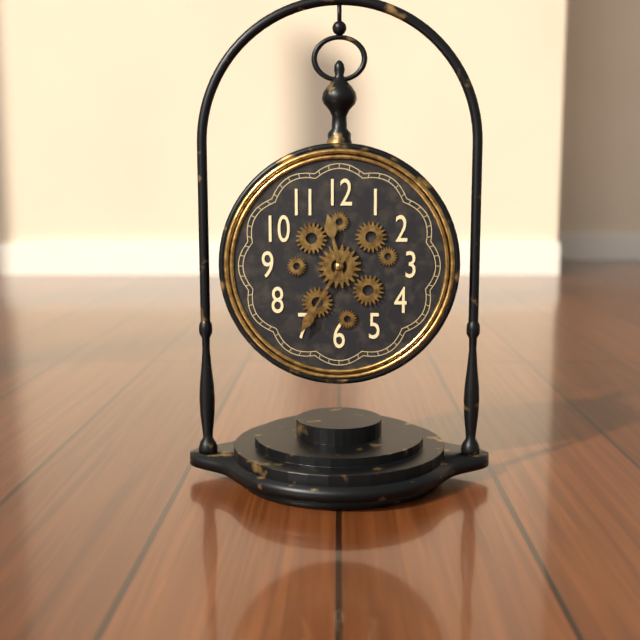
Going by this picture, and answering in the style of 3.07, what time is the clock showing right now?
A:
11.35
